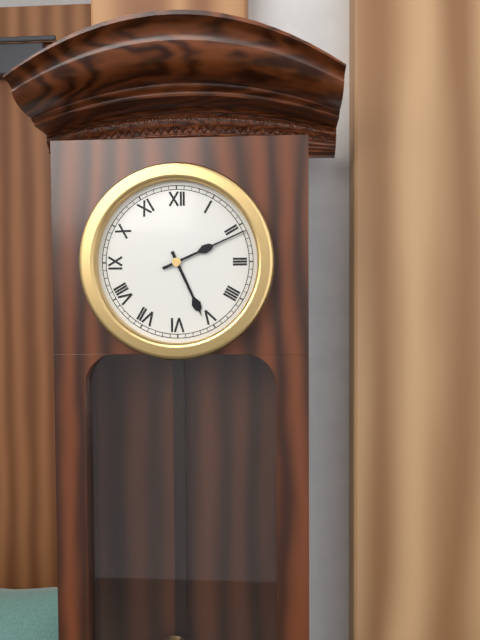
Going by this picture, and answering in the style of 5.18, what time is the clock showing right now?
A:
5.11
